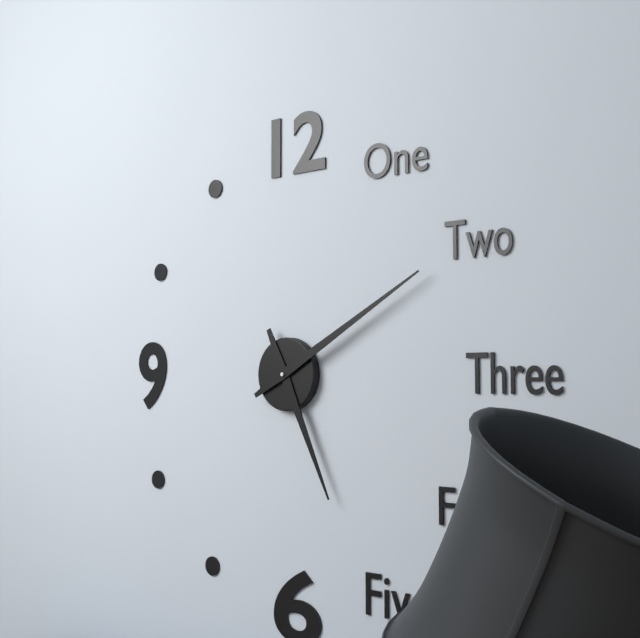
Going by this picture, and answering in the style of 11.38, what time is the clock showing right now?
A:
5.10
